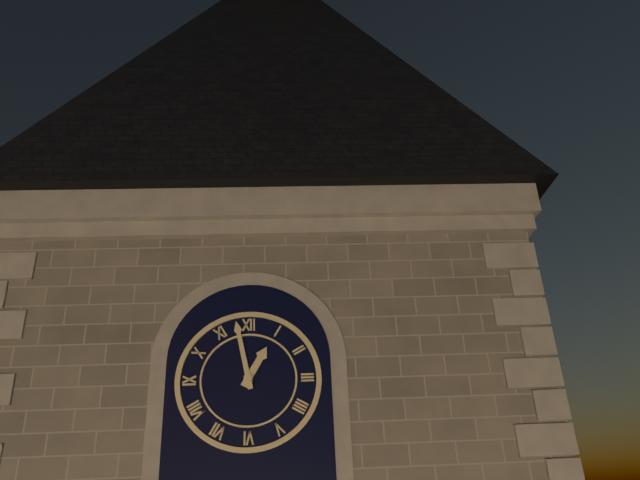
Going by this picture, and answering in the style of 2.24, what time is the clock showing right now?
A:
12.58
